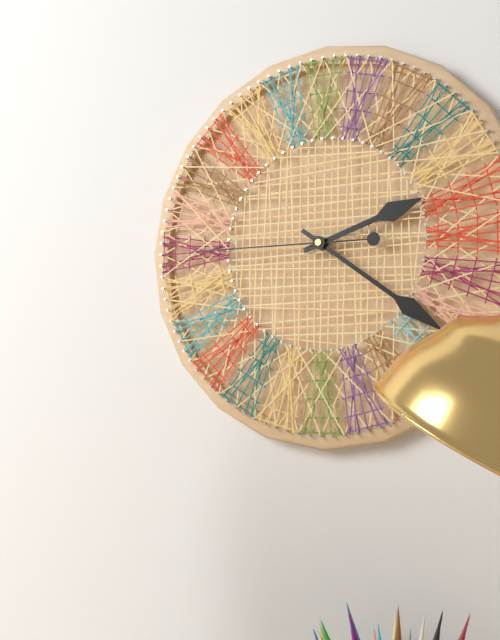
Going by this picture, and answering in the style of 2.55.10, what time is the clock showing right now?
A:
2.21.45
